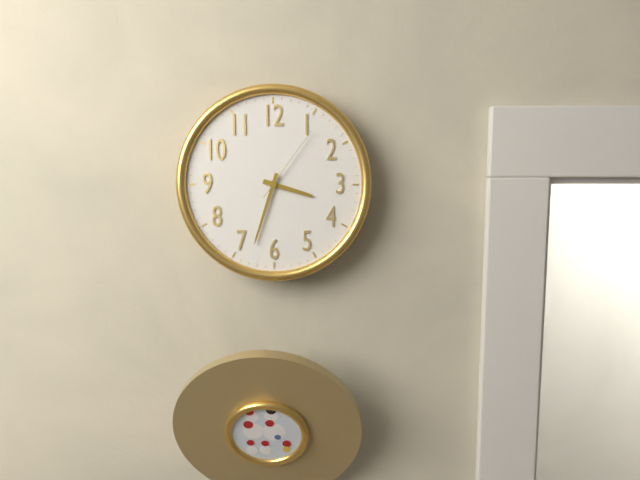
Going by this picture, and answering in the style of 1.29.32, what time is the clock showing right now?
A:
3.33.06
